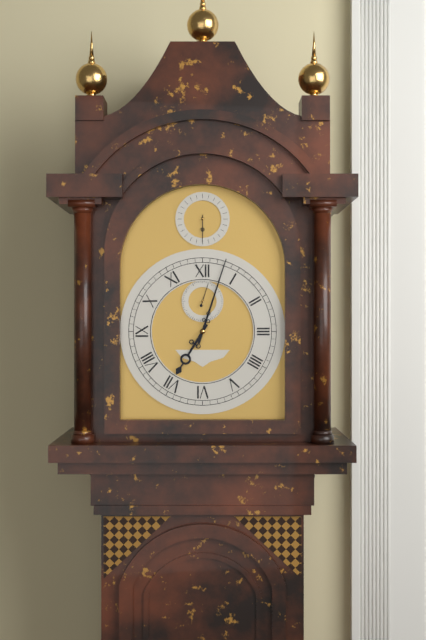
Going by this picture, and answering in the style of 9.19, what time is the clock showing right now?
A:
7.03
